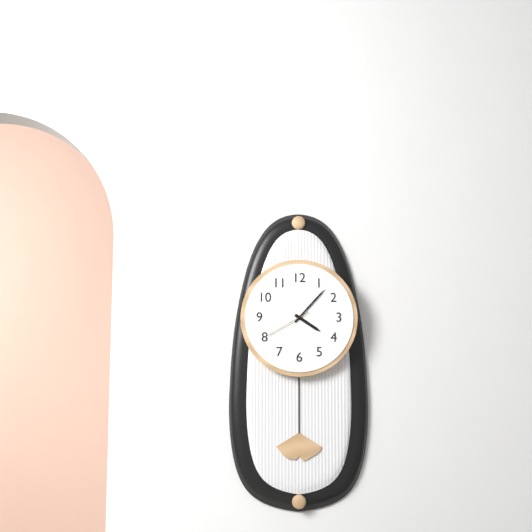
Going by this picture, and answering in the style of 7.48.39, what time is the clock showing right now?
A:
4.07.40
